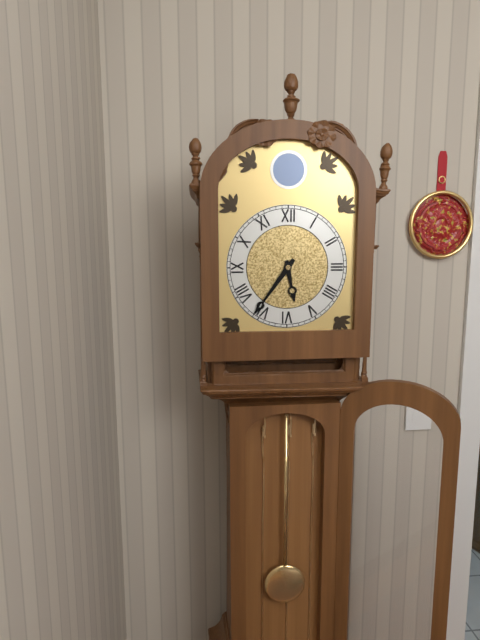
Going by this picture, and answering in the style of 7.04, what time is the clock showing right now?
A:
5.36
